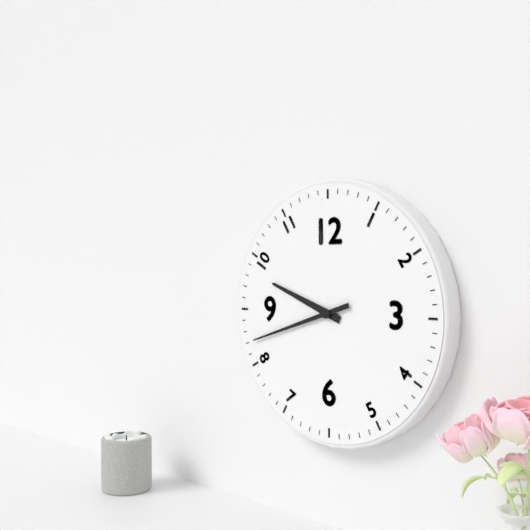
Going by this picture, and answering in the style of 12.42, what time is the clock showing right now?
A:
9.42
